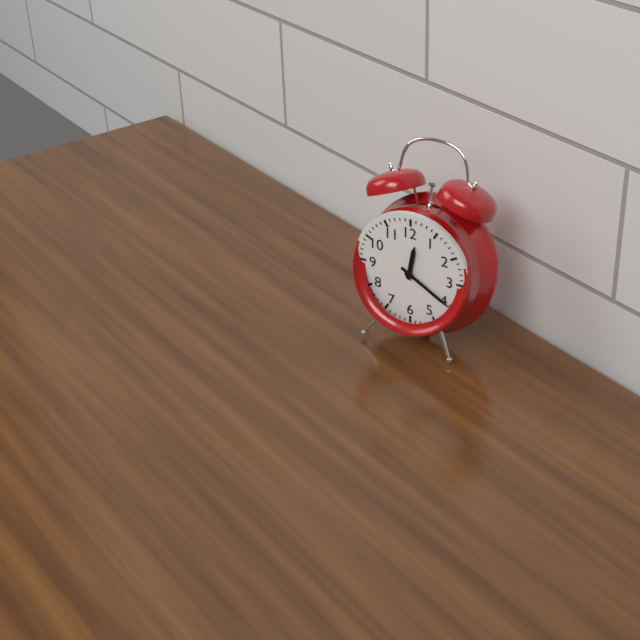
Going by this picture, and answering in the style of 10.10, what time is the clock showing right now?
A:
12.20
